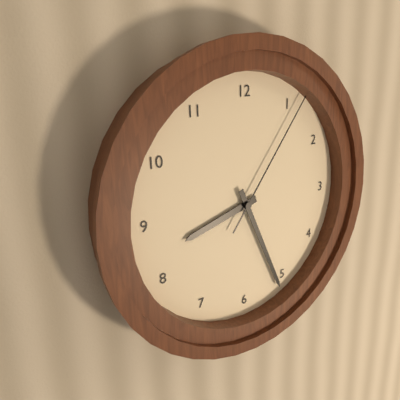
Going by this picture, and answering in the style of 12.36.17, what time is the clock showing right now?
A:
8.26.06
